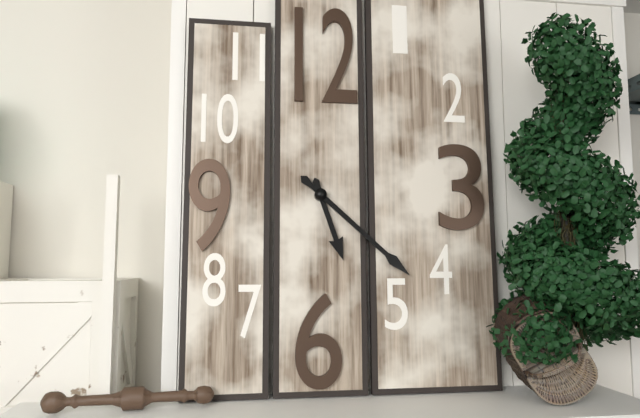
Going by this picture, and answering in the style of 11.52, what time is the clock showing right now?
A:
5.22
